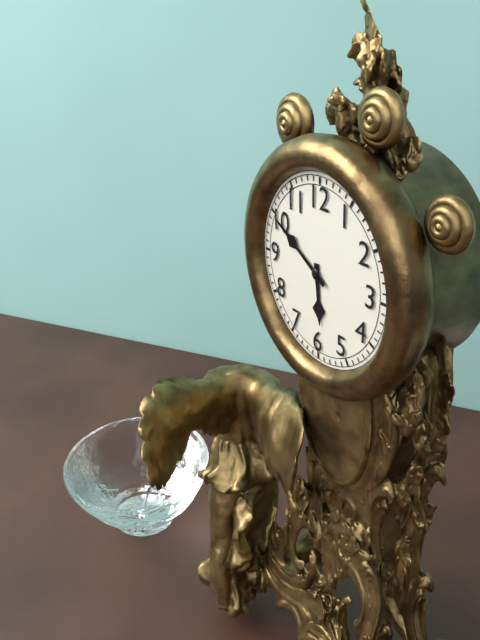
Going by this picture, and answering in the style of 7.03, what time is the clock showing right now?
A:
5.50
